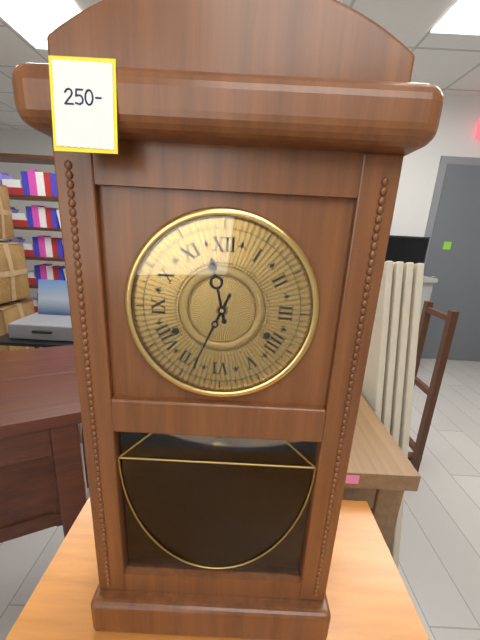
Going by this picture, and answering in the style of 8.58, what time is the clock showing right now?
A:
11.34
